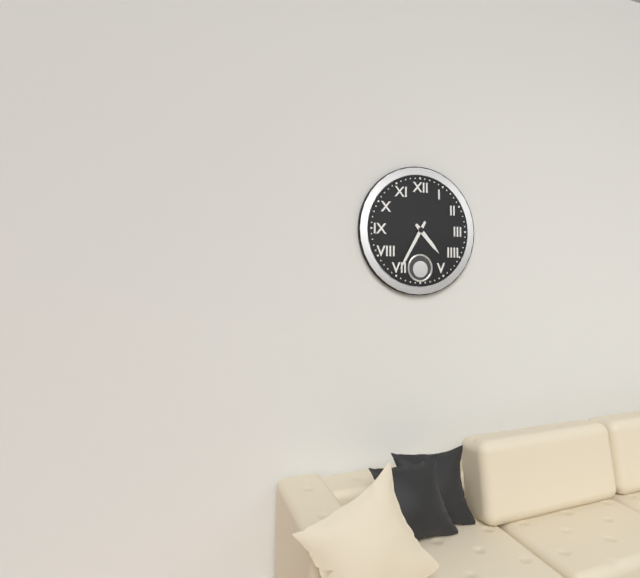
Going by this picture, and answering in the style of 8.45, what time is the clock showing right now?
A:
4.35
